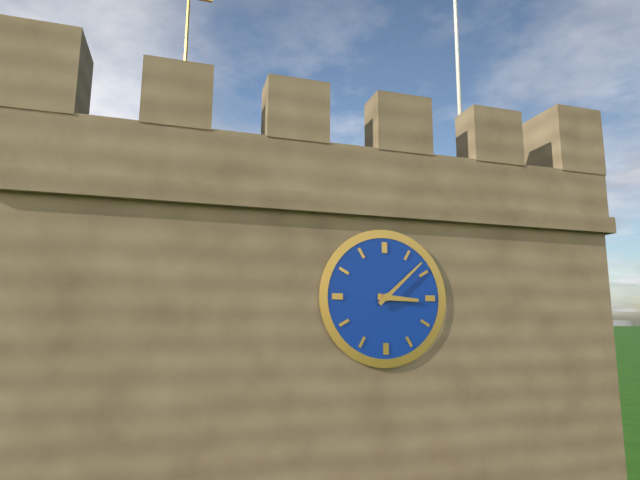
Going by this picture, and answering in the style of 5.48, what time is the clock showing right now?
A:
3.08
